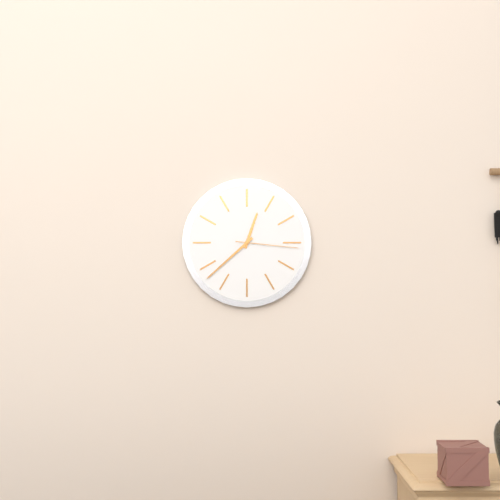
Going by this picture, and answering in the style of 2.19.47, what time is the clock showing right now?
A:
12.38.16
